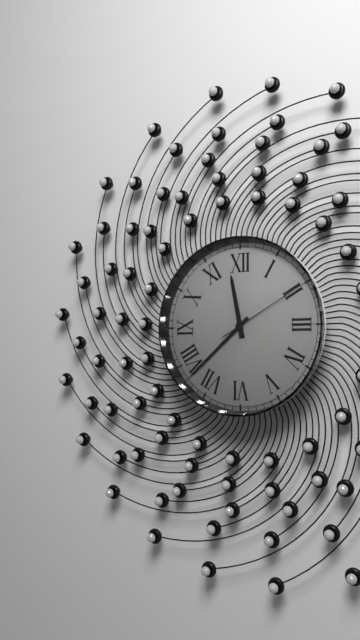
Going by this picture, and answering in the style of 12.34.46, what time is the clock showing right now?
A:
11.38.10
